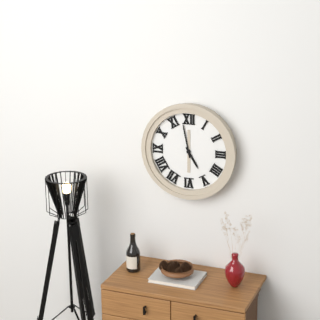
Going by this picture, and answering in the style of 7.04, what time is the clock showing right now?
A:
4.58
